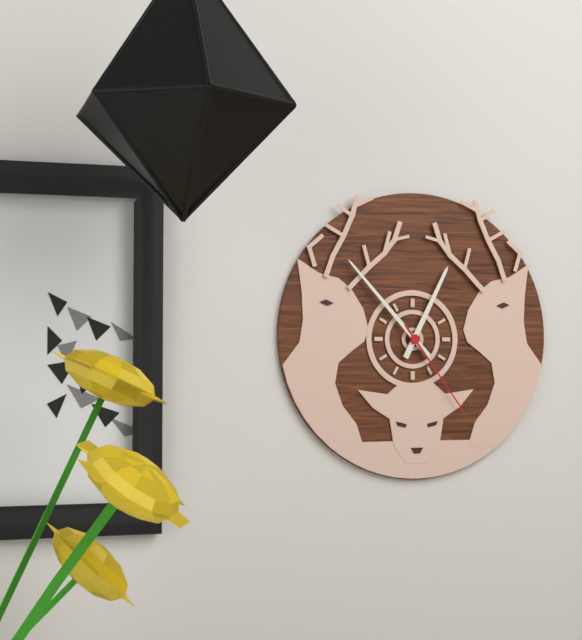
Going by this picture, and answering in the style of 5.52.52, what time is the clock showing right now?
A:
12.53.24
